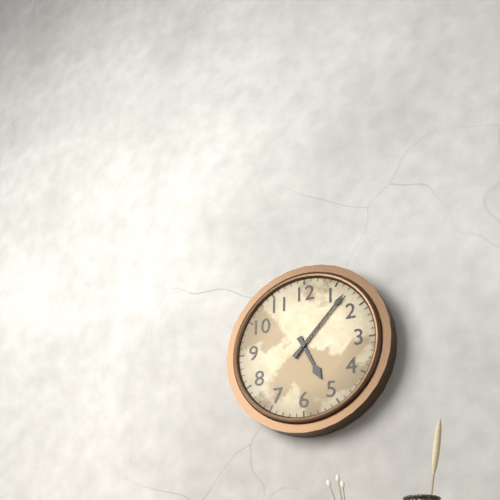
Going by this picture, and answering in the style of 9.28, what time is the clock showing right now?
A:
5.07
